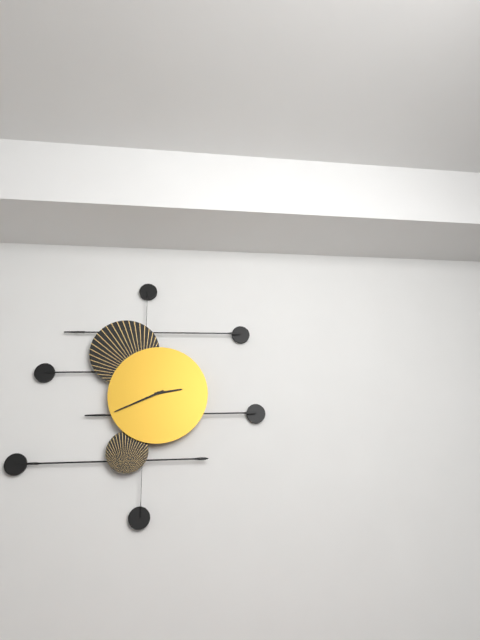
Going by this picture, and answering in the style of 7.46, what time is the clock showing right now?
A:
2.41
